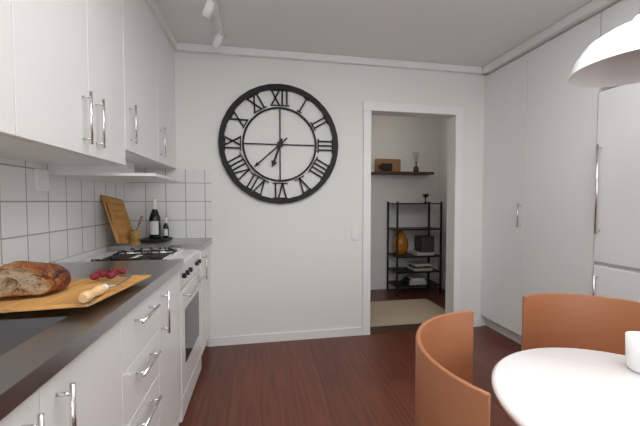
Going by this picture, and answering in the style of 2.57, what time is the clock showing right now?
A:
6.38
